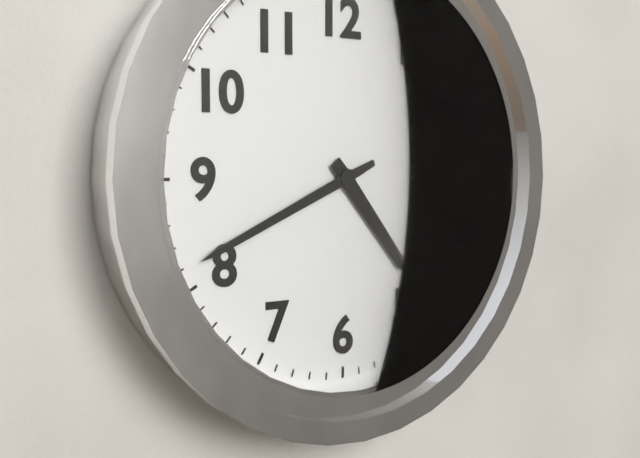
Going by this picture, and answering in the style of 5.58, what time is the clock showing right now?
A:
4.41
